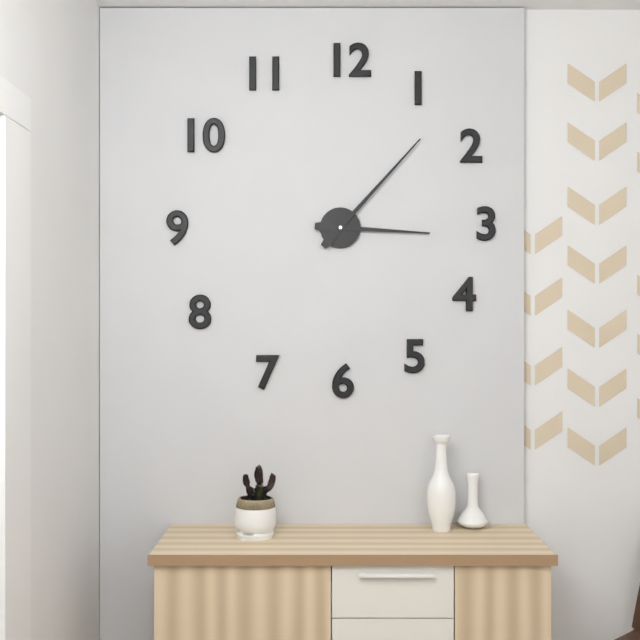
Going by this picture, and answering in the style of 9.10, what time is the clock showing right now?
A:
3.07
